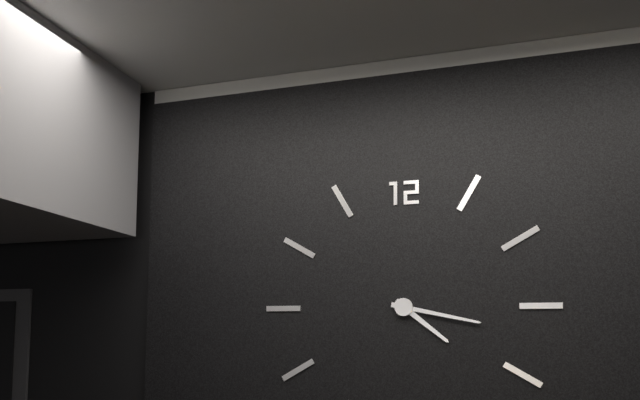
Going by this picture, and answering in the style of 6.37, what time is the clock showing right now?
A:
4.17
